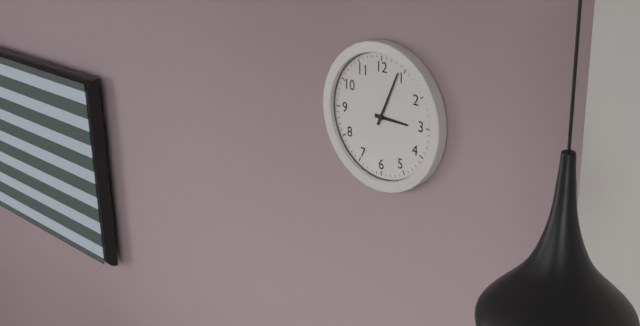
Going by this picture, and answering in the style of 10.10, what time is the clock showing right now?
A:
3.04
